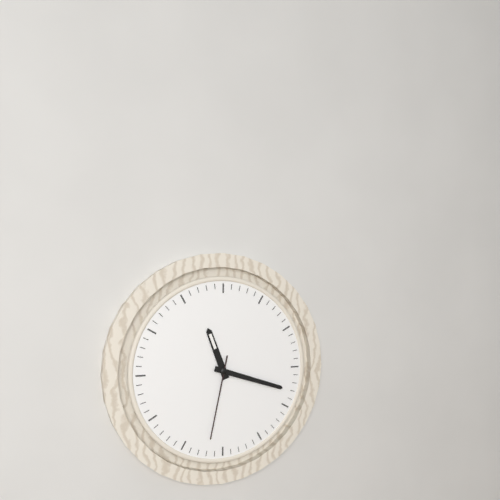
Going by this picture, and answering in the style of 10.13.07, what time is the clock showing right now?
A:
11.18.32
